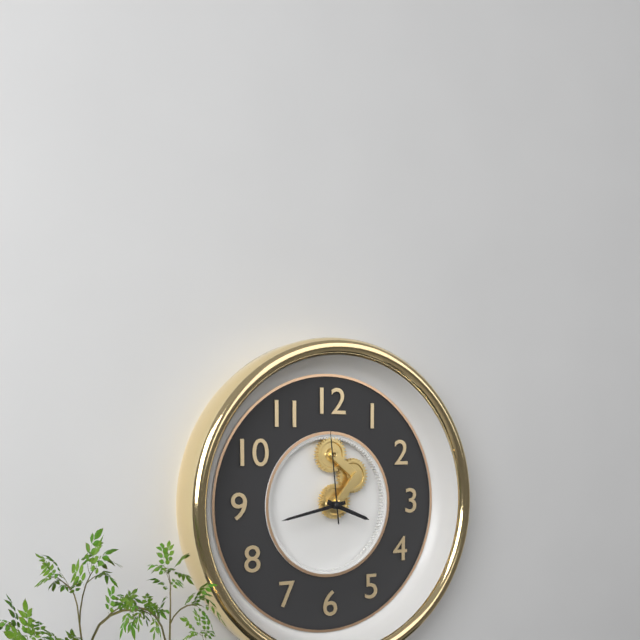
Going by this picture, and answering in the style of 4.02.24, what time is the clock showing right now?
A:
3.43.59
